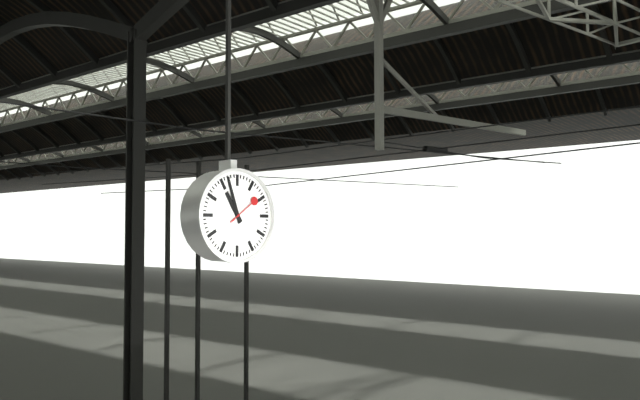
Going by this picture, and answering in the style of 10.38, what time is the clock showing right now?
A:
10.57
